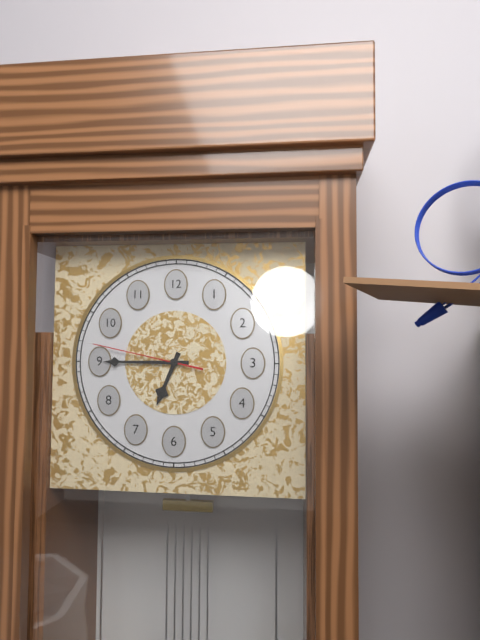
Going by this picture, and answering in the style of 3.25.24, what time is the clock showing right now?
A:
6.45.47
